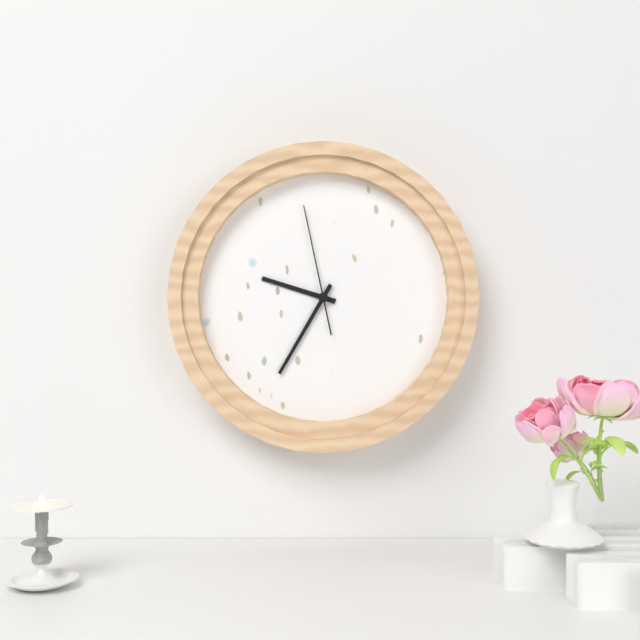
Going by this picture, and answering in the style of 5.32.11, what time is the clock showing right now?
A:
9.35.58
